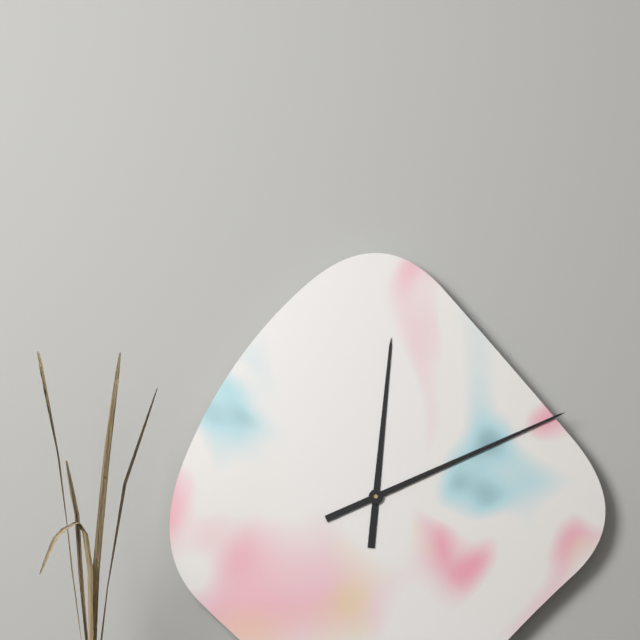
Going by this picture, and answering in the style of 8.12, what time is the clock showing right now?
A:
12.11
